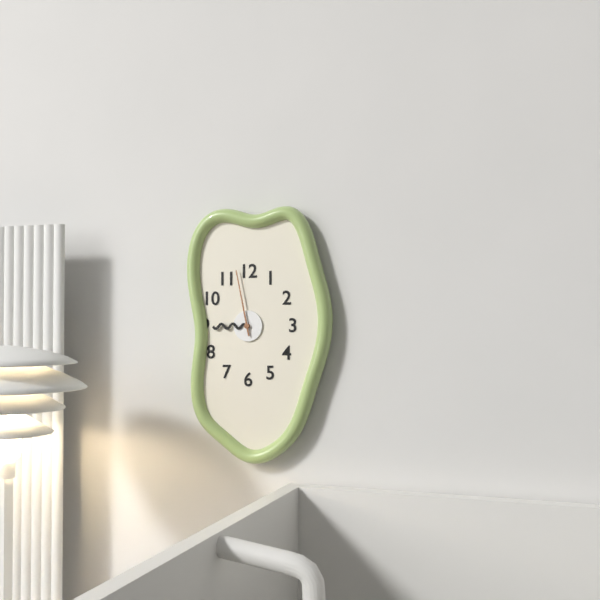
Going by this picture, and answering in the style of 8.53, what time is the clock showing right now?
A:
8.58
